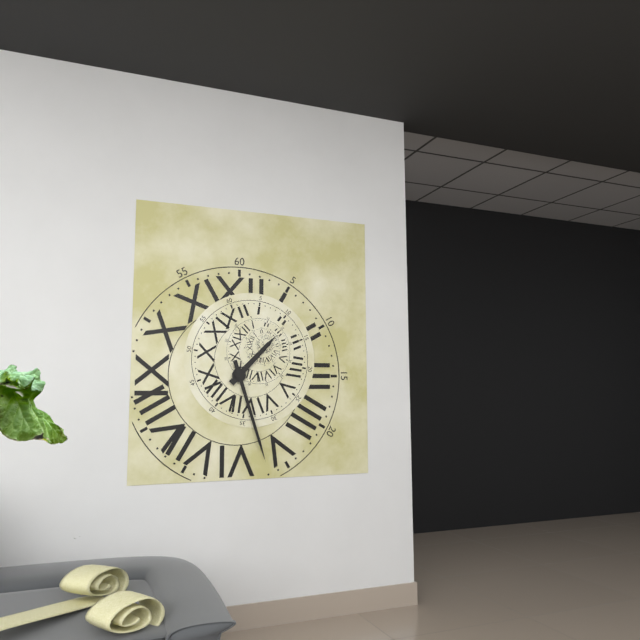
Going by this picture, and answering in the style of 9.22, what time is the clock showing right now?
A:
1.27
